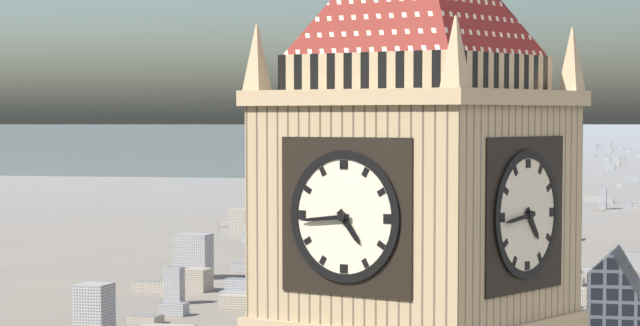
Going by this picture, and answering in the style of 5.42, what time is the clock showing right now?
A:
4.44
